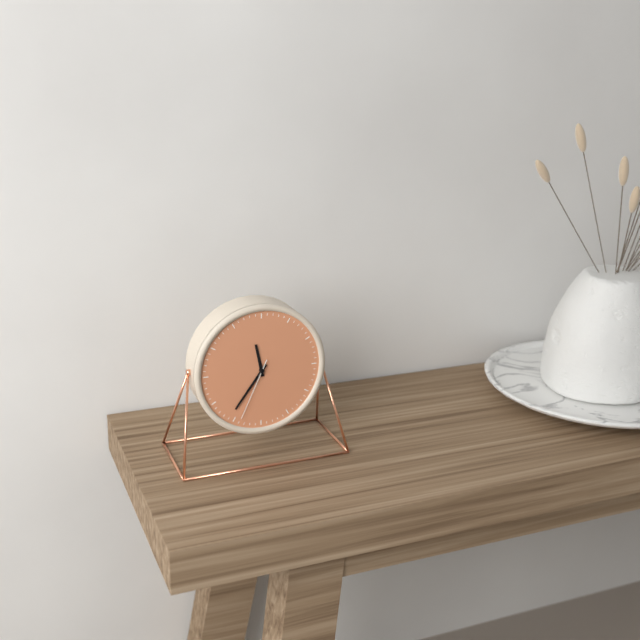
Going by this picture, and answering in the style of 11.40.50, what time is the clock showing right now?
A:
11.36.34
